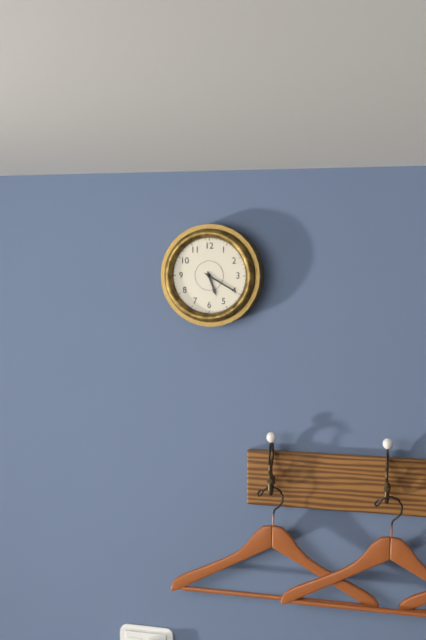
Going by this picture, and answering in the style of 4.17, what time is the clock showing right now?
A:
5.20
